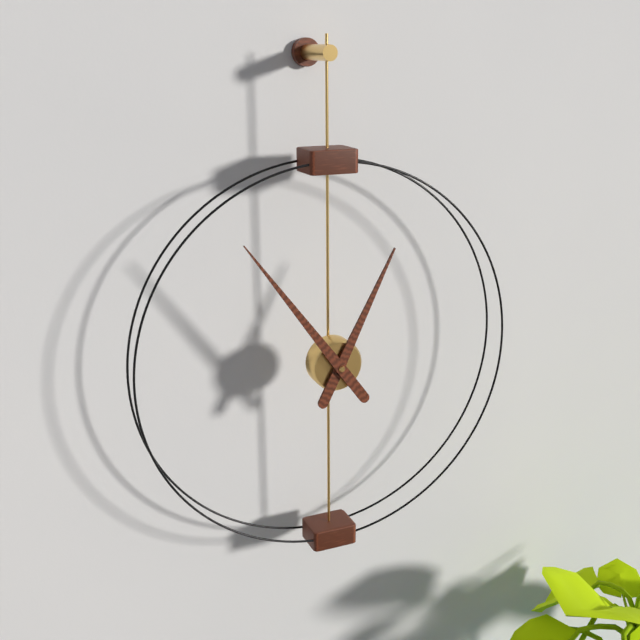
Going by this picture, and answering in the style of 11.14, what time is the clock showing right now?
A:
12.54
